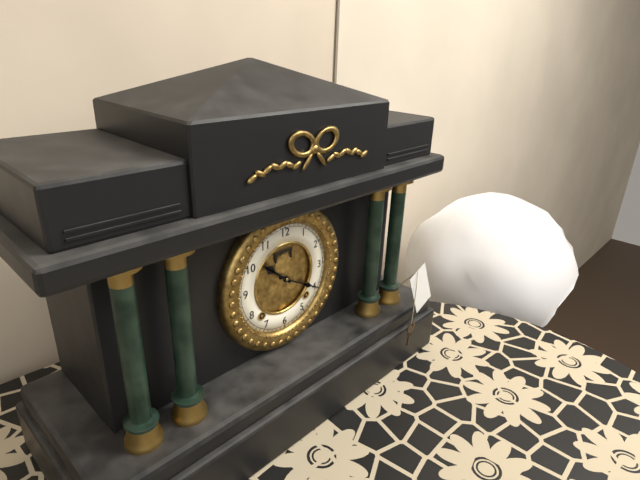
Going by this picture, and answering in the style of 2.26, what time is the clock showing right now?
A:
10.20
